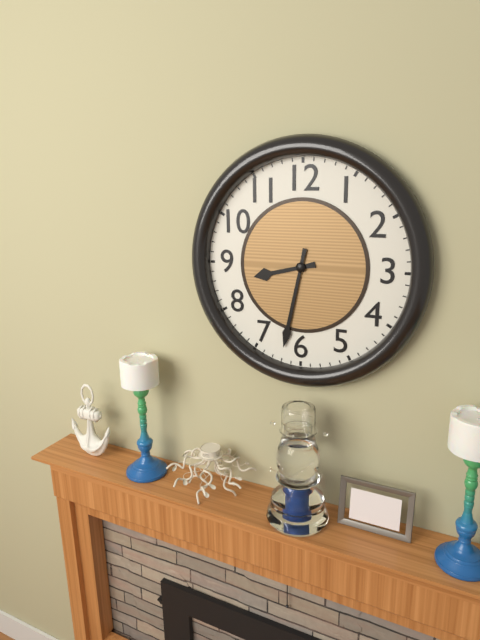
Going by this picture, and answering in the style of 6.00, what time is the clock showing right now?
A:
8.32
